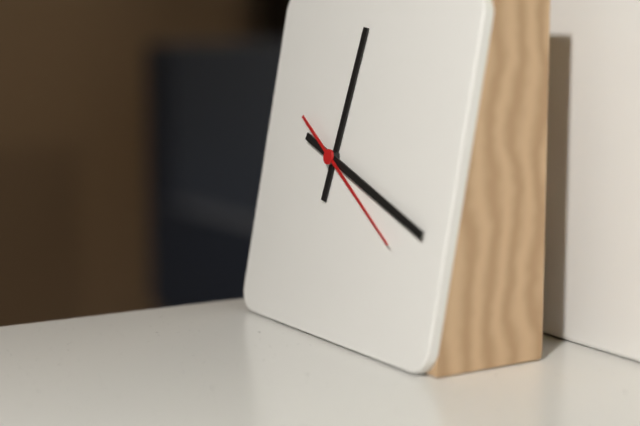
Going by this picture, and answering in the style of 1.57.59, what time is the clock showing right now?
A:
12.18.20
